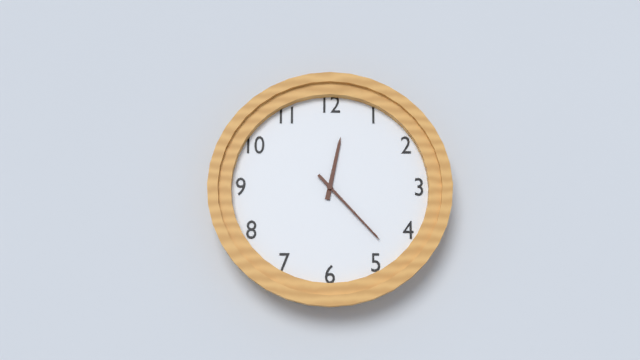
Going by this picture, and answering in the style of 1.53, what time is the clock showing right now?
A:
12.23
